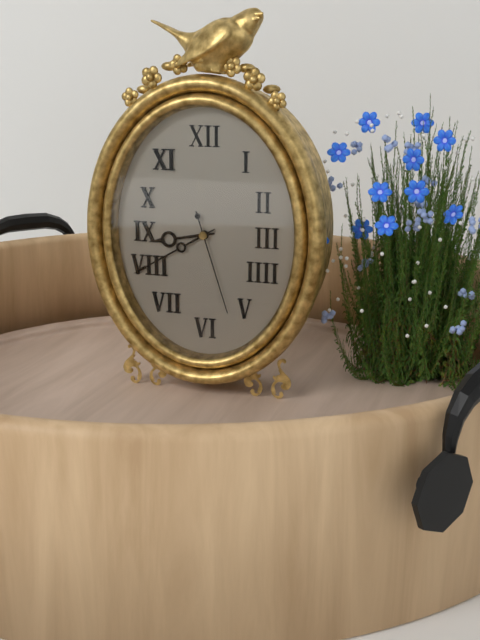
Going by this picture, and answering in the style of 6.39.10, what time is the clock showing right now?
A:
8.40.27
